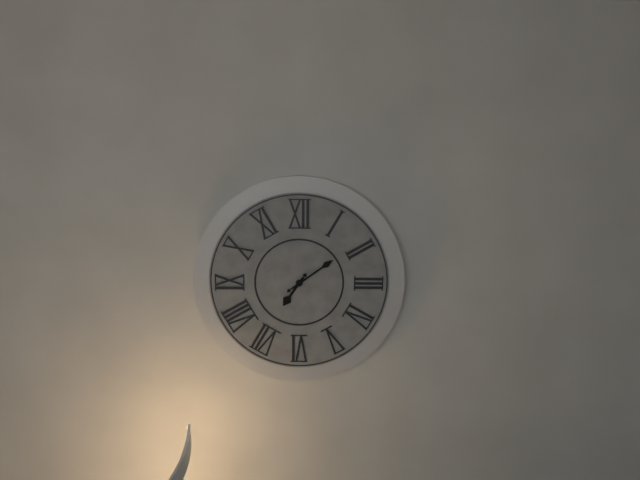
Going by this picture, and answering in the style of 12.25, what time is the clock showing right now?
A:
7.09
